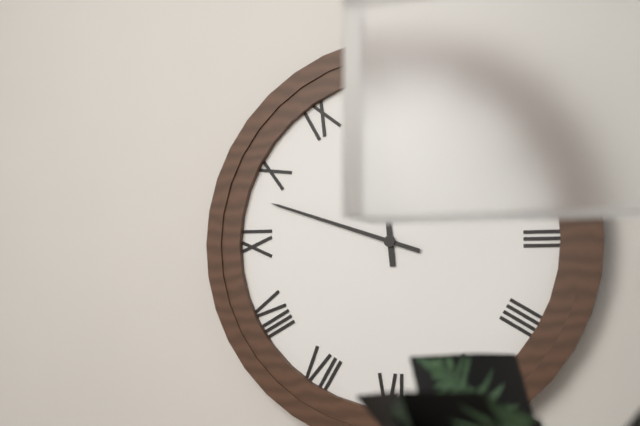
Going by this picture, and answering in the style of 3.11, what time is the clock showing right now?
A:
11.48
